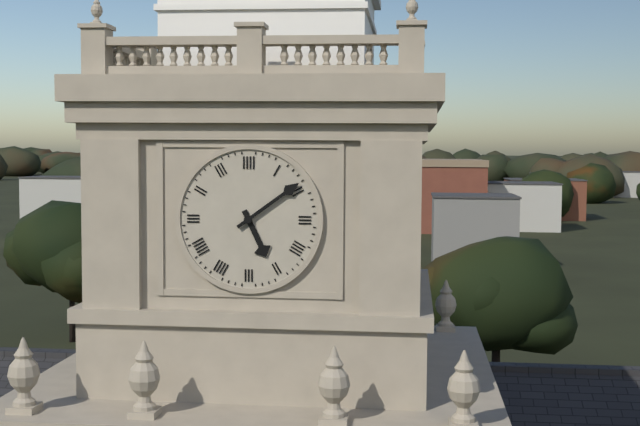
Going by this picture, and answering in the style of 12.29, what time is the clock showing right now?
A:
5.09
